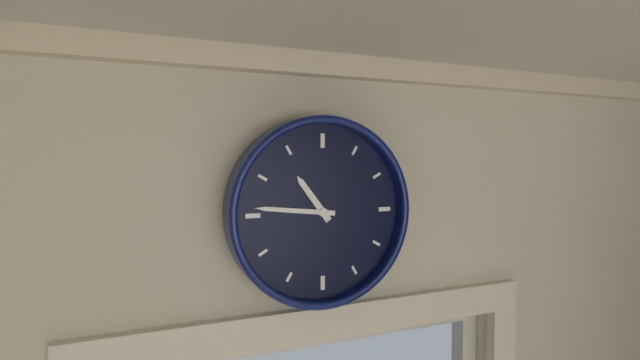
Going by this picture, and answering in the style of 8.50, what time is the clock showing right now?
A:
10.46
